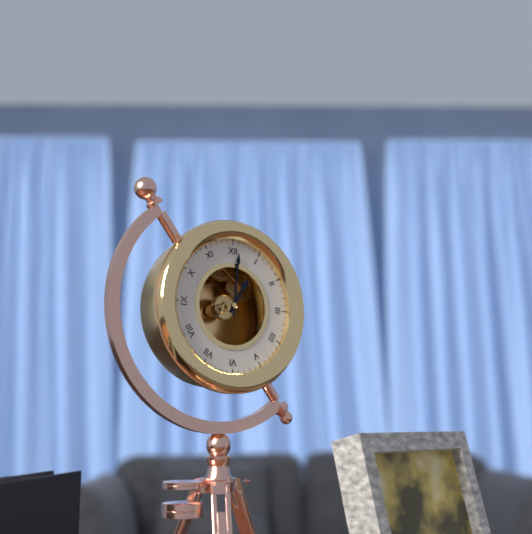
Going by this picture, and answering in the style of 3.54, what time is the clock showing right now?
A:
1.01
